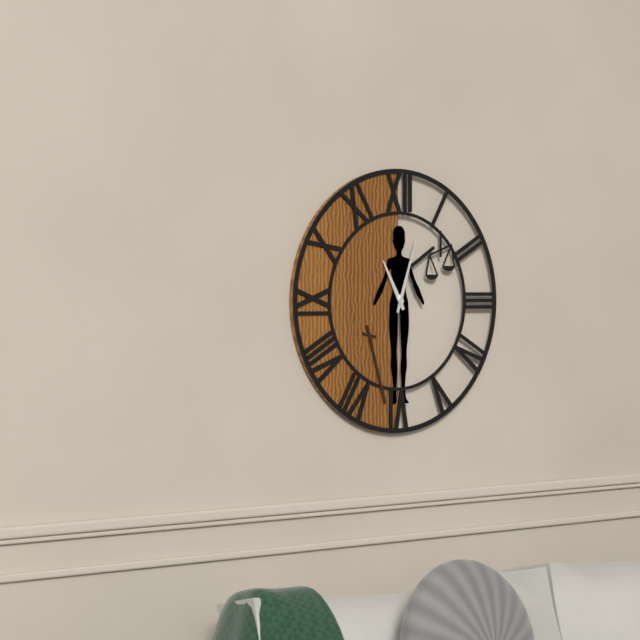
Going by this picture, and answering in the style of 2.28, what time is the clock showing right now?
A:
11.03
